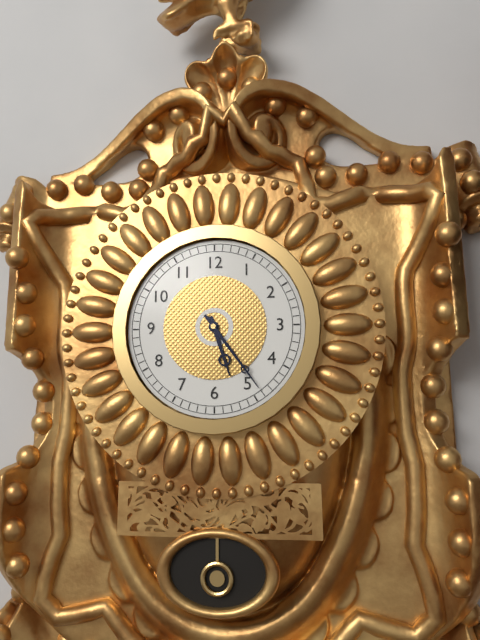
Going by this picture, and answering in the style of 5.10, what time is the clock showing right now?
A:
5.24
